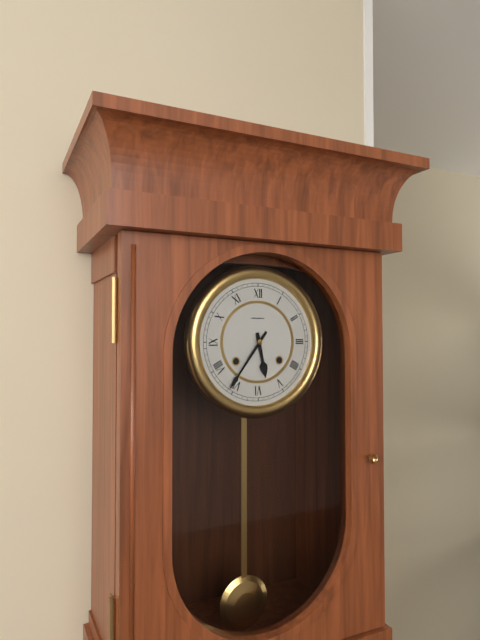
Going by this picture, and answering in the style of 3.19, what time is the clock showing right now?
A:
5.36
